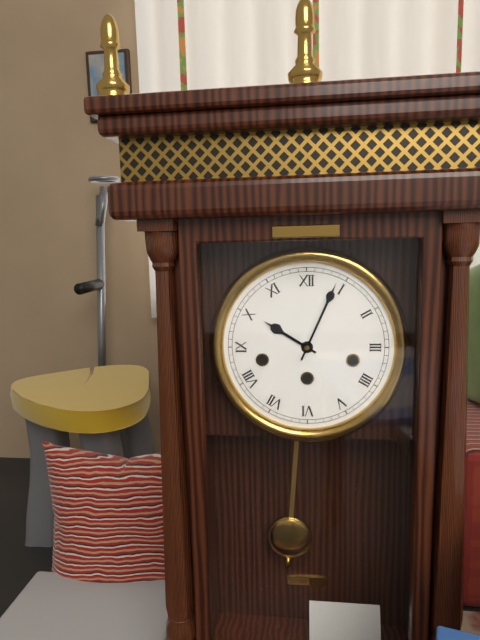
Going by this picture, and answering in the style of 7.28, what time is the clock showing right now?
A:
10.04
